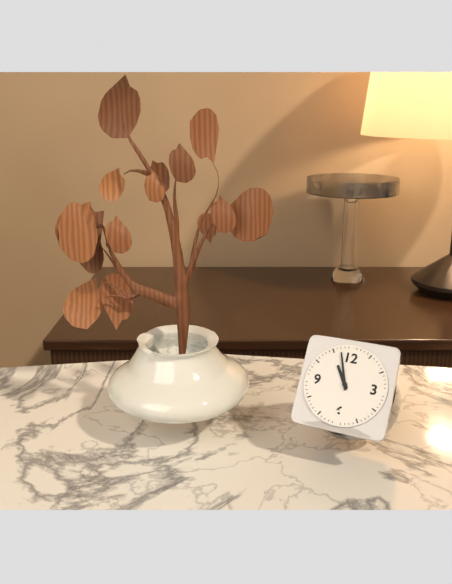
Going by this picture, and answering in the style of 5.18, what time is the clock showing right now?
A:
10.57
